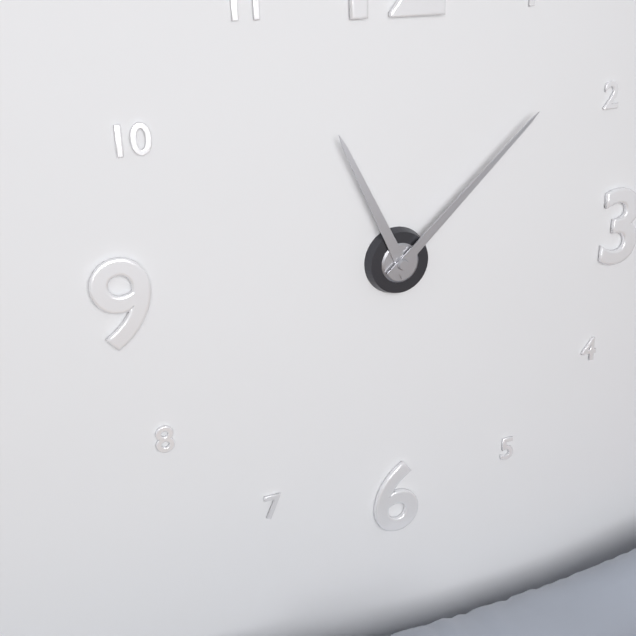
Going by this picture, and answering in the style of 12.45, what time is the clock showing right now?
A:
11.08
